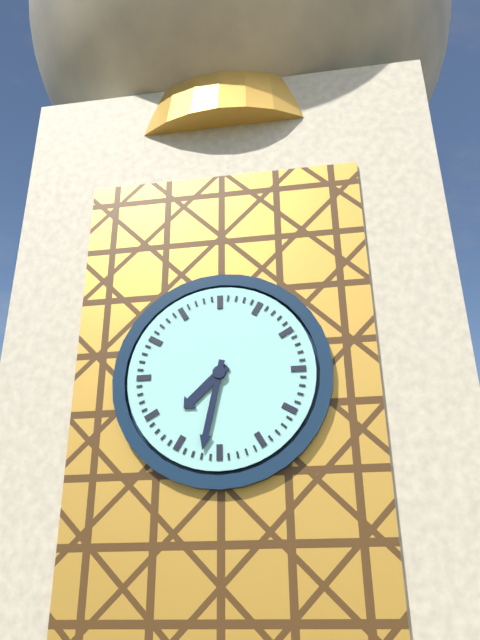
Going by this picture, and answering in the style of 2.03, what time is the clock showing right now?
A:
7.32
